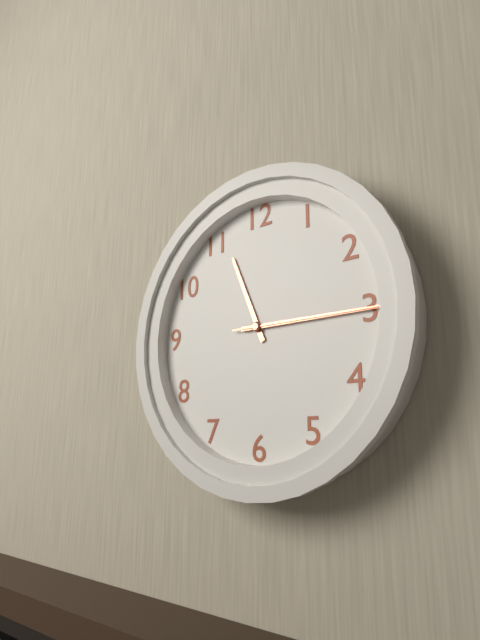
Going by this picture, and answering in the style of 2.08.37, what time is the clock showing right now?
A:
11.15.15
